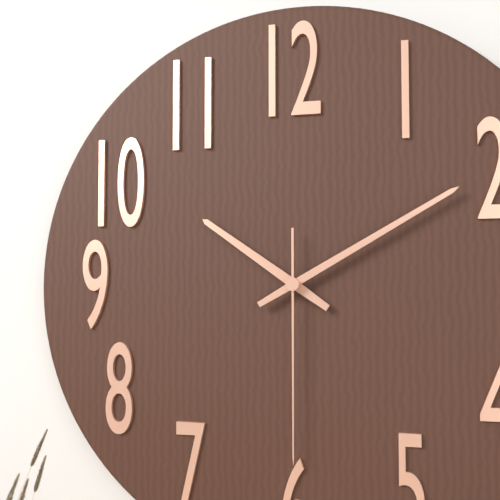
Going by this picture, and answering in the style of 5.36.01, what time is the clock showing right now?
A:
10.10.30
